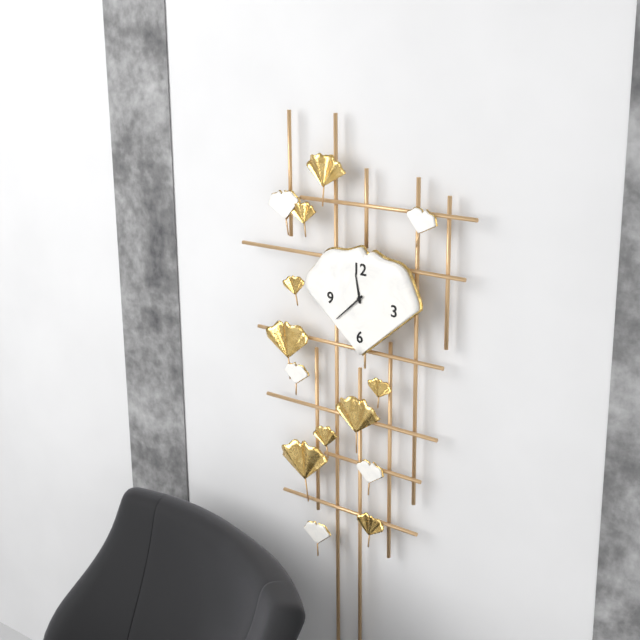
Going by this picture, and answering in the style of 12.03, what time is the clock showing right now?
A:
11.38
